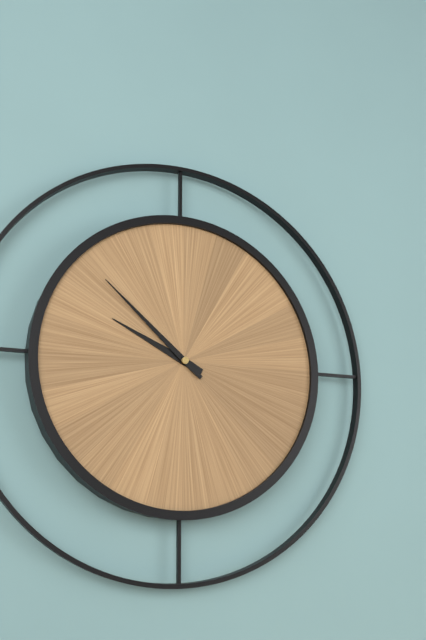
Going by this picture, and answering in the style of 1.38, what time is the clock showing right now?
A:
9.52
